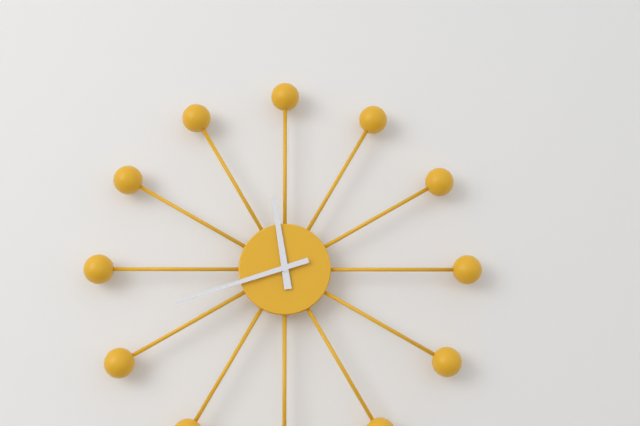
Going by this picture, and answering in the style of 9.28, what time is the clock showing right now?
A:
11.42
